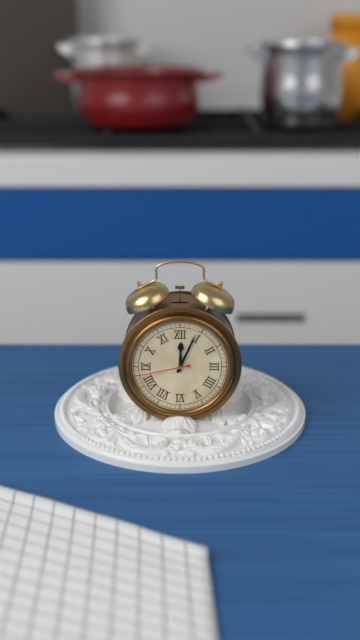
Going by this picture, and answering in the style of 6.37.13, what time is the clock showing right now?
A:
12.04.43
